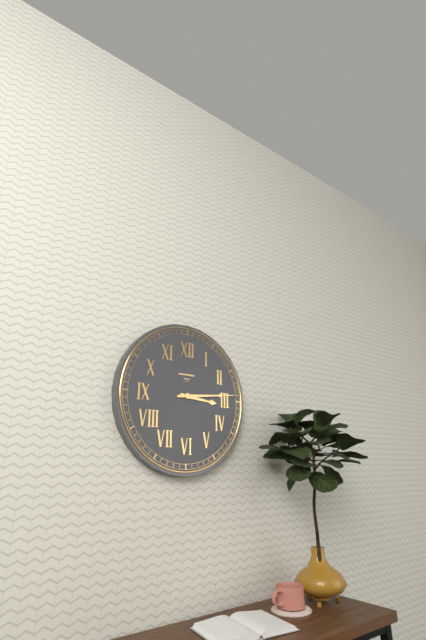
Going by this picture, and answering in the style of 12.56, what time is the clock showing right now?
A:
3.14
